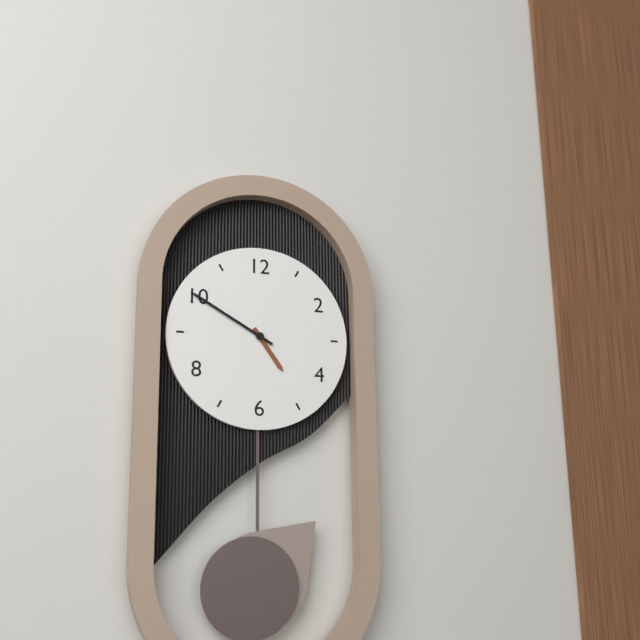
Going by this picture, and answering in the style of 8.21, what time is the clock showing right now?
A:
4.50
